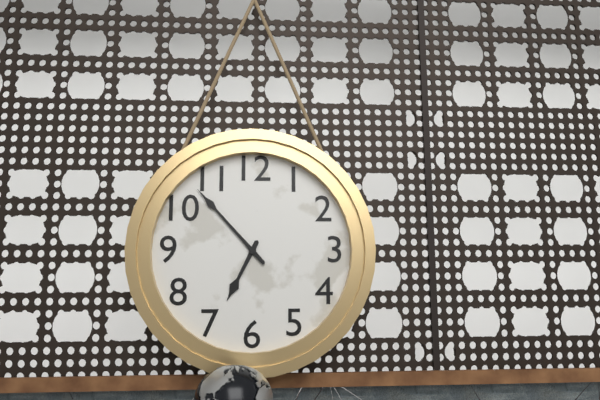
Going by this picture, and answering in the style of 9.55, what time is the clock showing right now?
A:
6.53
